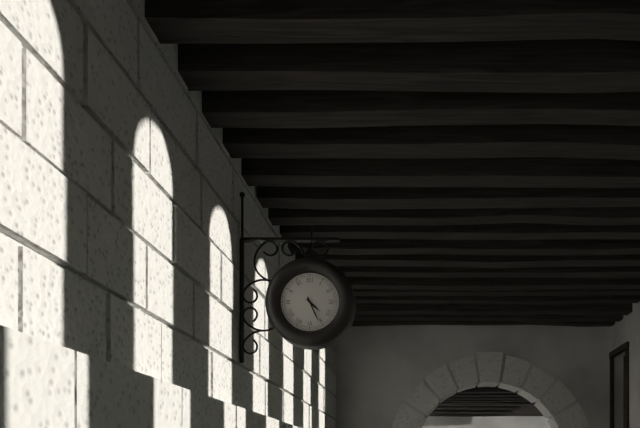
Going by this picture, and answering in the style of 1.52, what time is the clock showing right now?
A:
4.26
